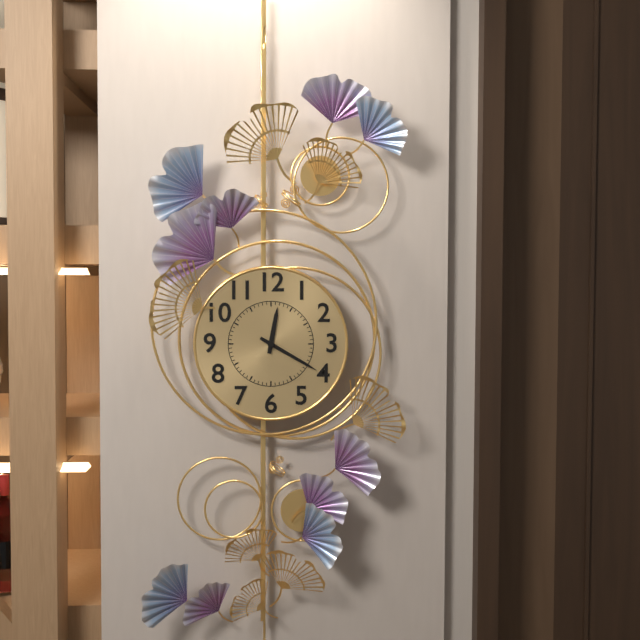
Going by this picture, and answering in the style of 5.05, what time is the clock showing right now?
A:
12.20
